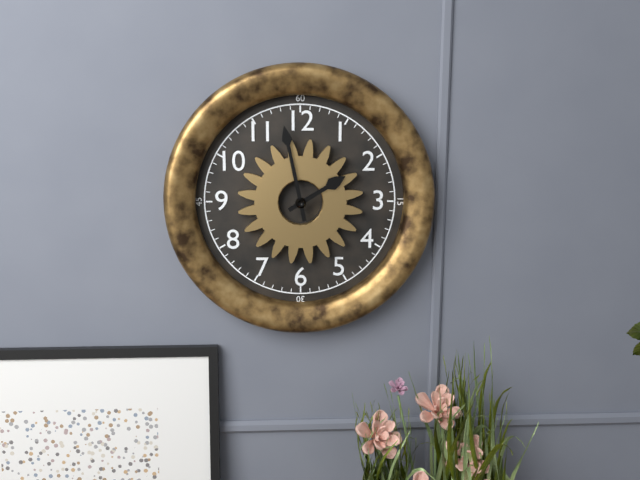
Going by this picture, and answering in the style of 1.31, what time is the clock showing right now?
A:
1.58
